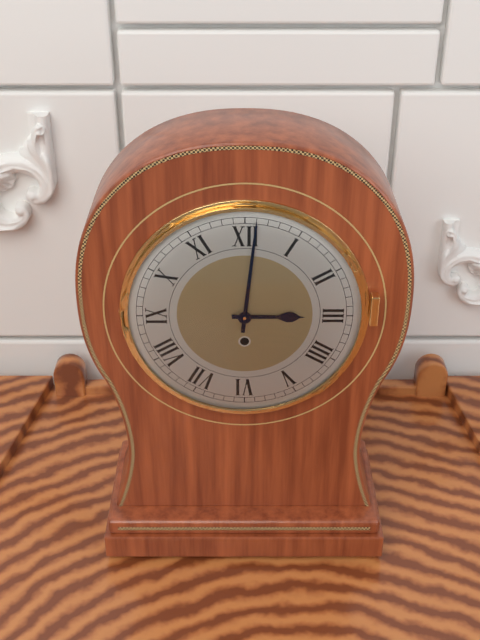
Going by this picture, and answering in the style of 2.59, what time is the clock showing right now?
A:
3.01
